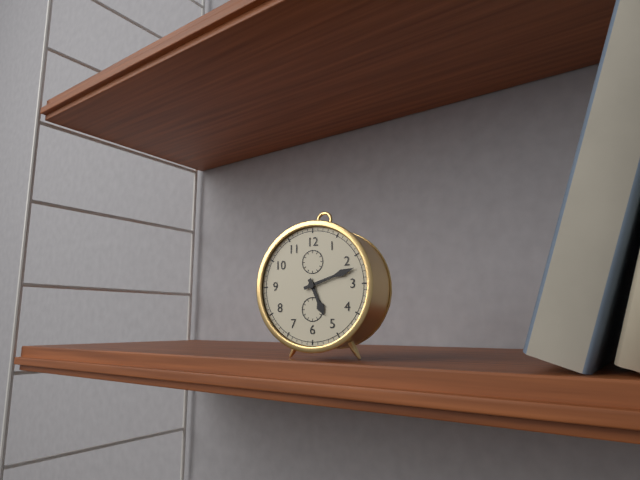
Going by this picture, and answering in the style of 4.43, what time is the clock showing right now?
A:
5.12
